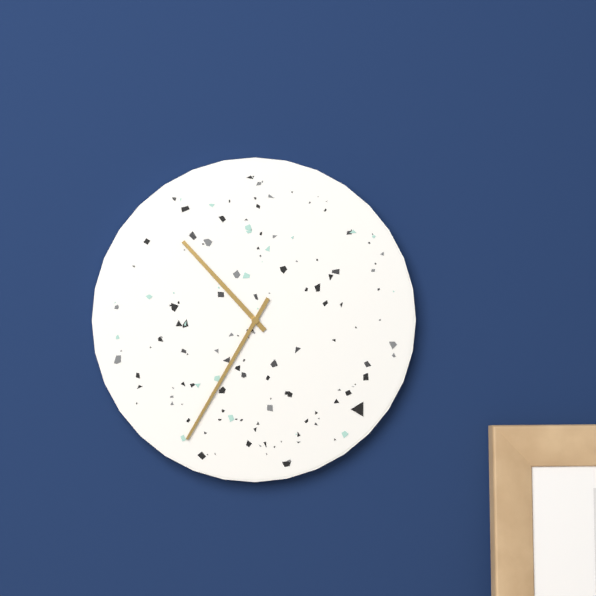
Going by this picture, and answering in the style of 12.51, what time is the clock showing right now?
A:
10.35
